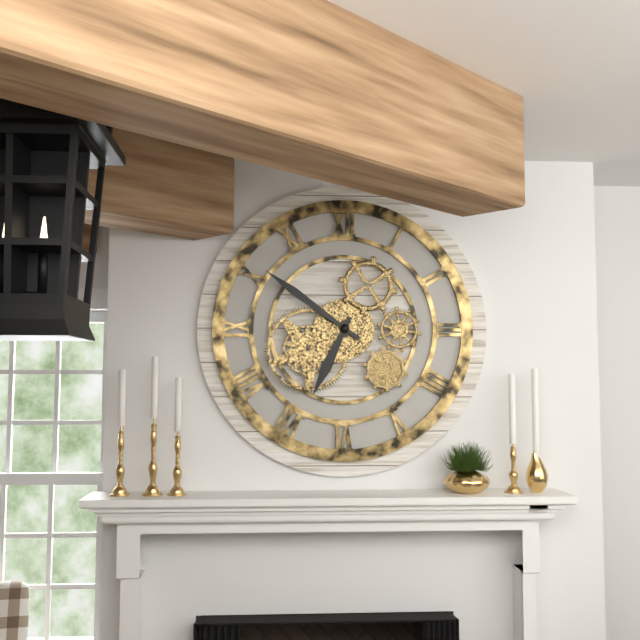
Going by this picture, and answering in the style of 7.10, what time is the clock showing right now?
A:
6.51
